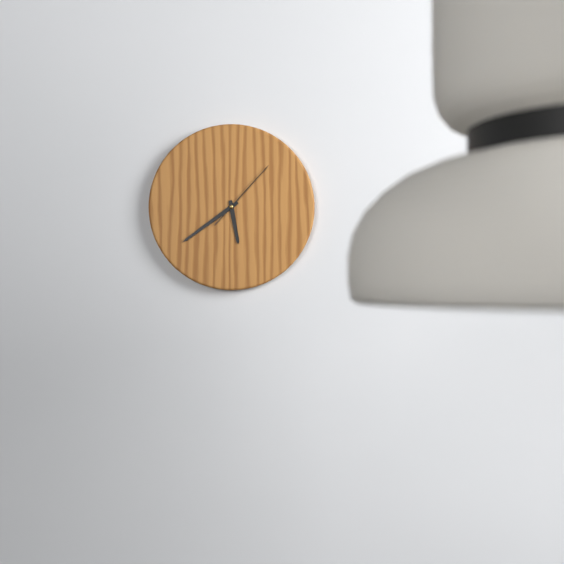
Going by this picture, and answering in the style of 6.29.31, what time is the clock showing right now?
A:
5.39.07
